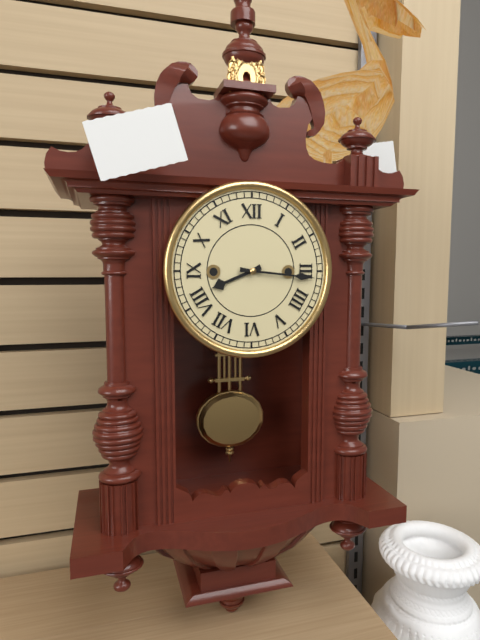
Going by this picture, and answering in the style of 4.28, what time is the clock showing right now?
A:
8.16
